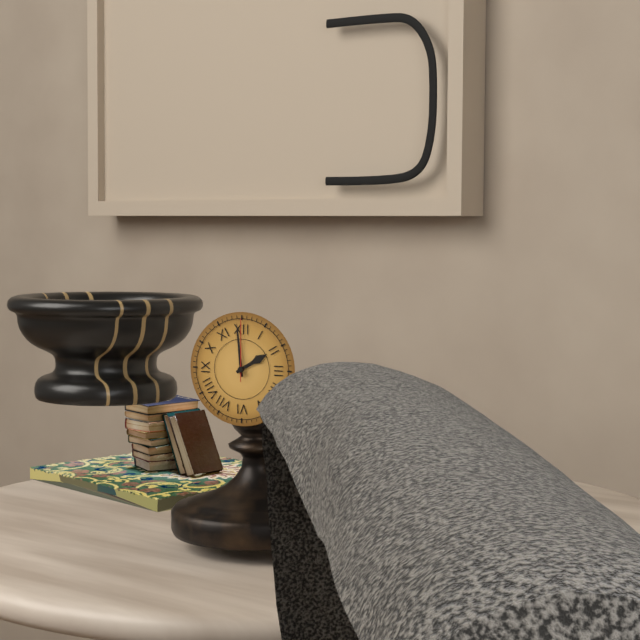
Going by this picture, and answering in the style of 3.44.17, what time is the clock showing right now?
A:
1.59.00
